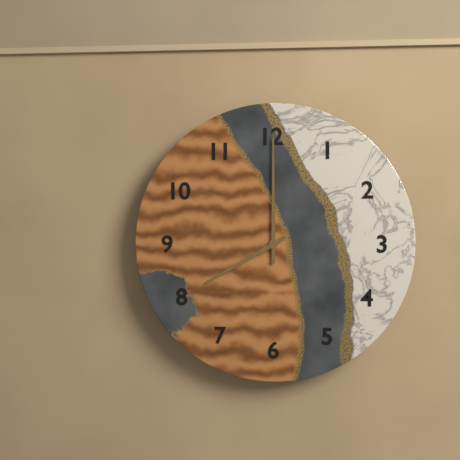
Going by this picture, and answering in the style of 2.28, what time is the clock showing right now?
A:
8.00
